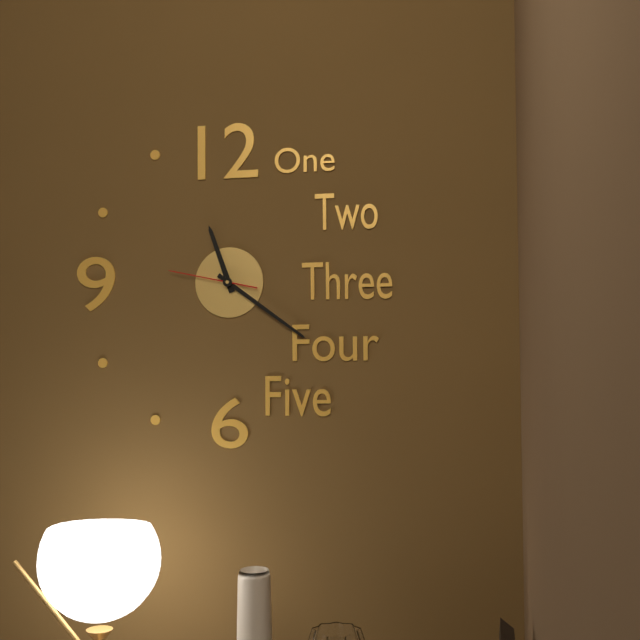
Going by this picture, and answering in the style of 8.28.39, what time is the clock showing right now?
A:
11.21.47
